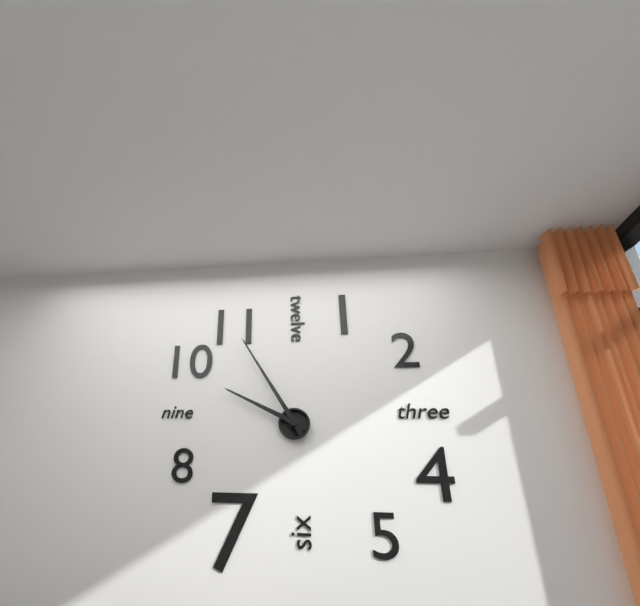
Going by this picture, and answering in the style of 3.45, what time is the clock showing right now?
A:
9.55
